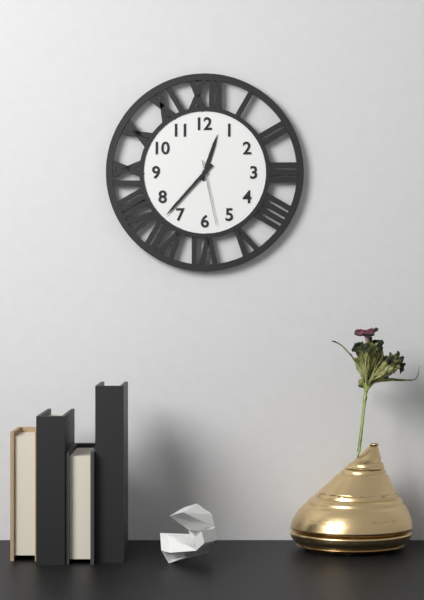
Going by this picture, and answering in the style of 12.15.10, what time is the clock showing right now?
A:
12.37.28
